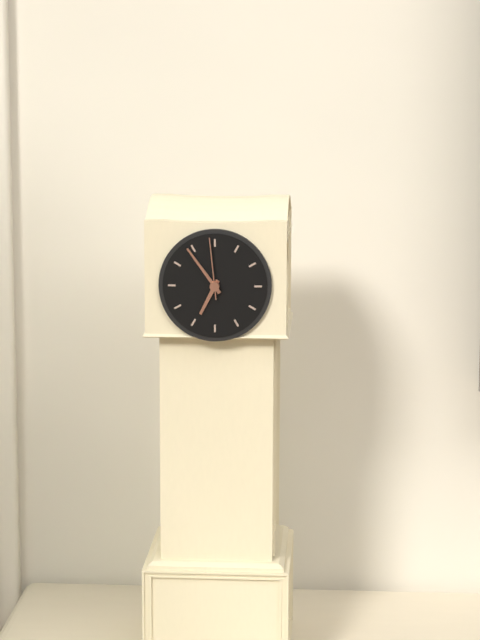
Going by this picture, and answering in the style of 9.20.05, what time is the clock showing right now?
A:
6.54.59
